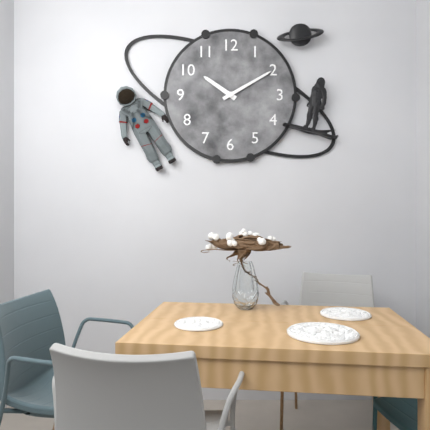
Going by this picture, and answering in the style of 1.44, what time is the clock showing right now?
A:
10.10
